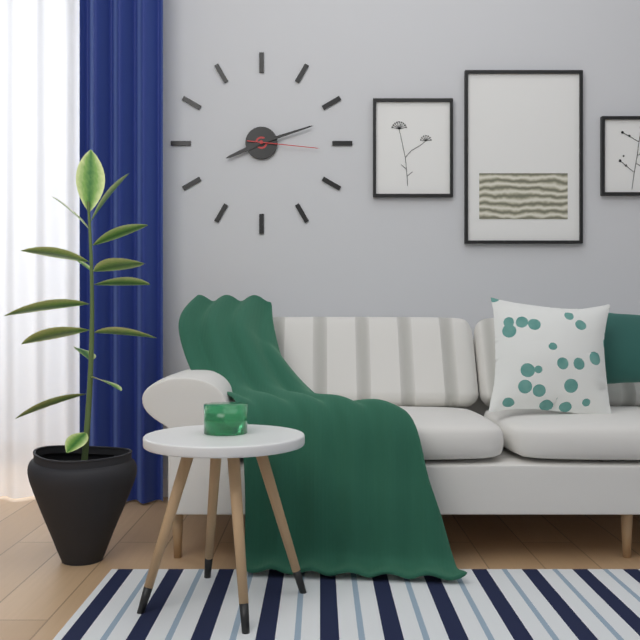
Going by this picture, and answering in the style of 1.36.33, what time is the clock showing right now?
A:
8.12.16
